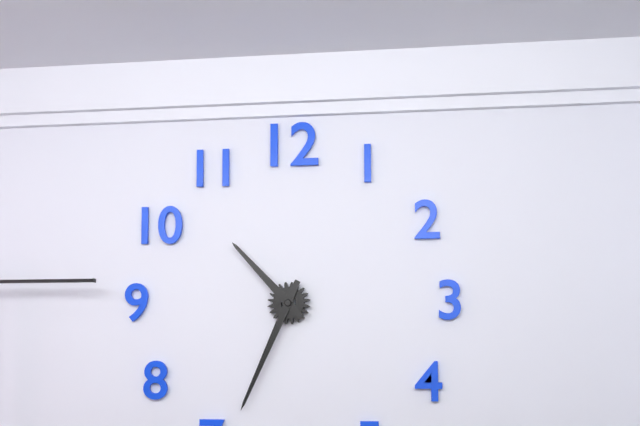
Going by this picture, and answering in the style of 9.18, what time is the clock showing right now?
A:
10.34
